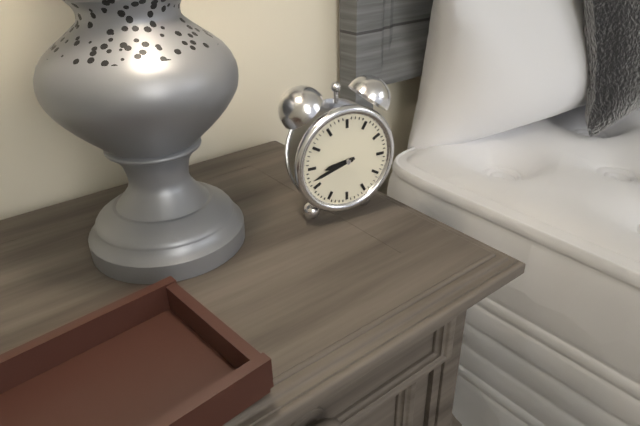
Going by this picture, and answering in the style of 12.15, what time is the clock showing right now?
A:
8.42
